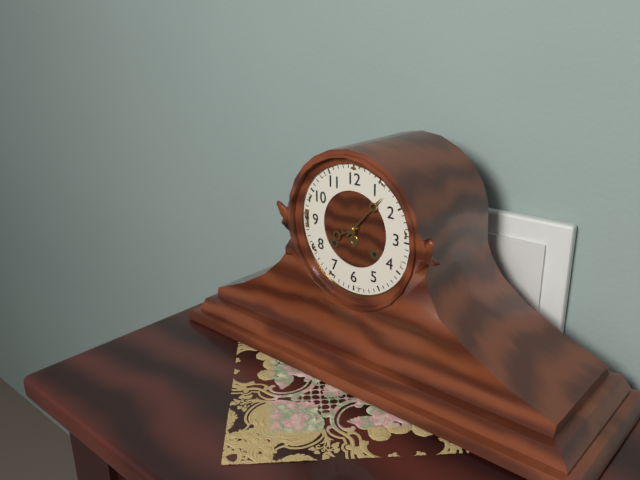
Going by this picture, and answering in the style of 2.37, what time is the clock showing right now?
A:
8.07
